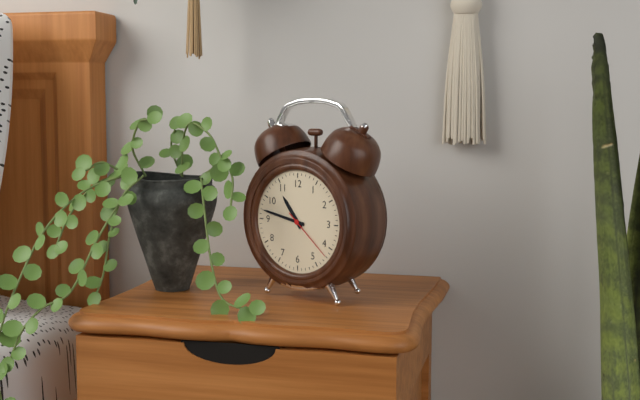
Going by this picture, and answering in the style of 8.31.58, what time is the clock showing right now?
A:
10.47.22
